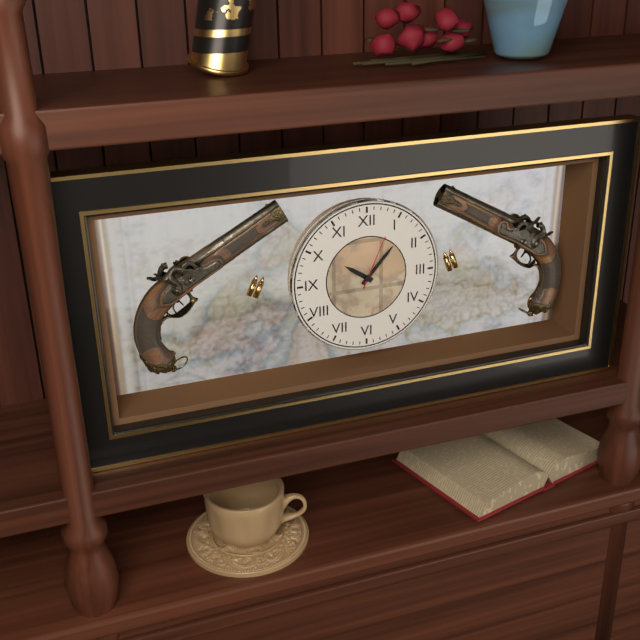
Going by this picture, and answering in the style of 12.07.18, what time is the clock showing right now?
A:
10.07.04
